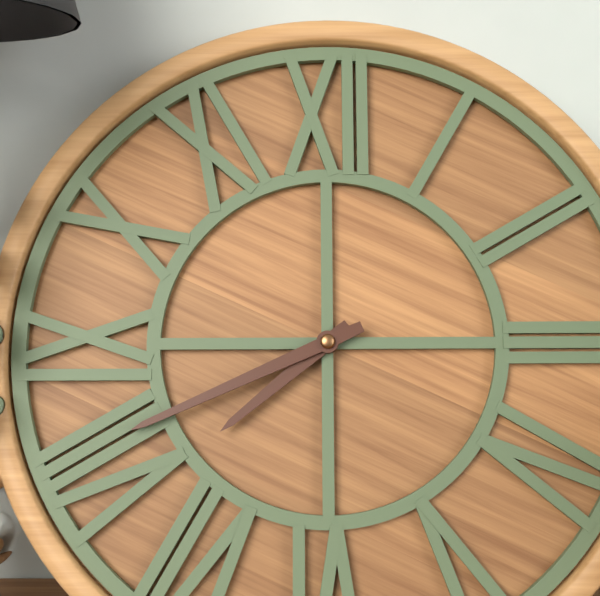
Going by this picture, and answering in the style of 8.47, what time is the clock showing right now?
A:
7.41
